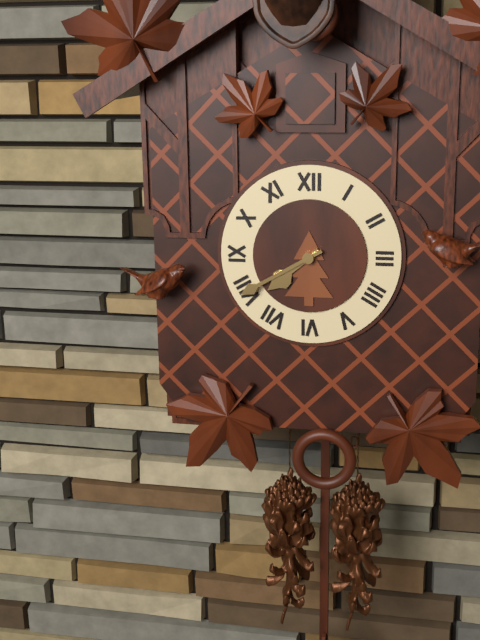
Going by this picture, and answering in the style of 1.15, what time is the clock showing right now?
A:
7.40
